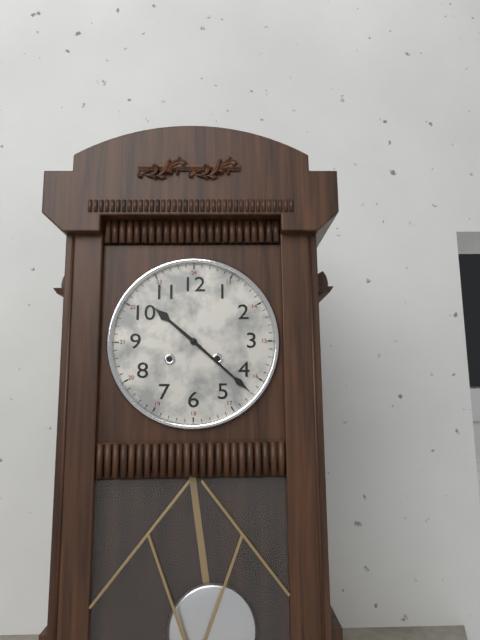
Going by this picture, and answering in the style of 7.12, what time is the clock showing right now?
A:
10.22
